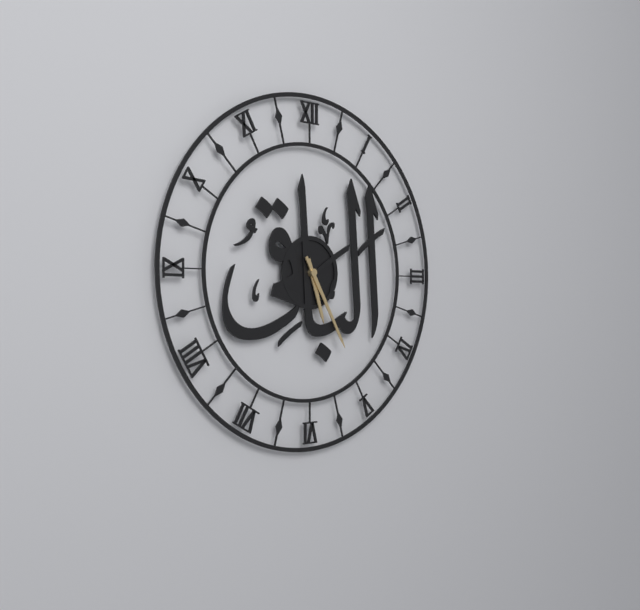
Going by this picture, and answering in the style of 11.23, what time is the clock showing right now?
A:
5.25
